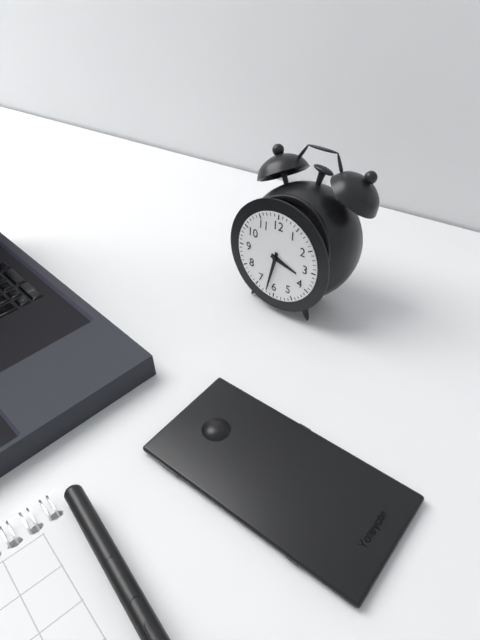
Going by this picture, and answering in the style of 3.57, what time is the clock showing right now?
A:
3.32
